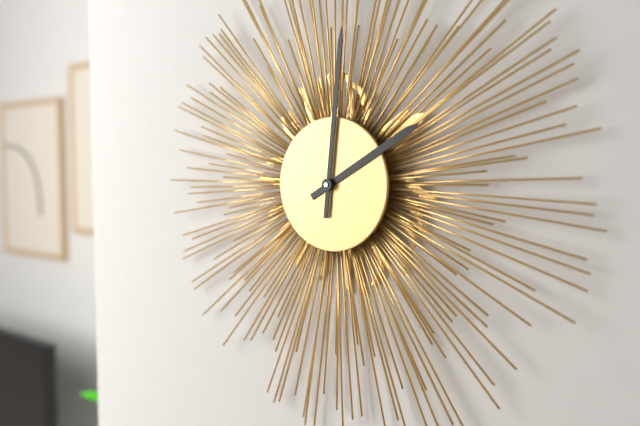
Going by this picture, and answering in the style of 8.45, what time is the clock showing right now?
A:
2.01
